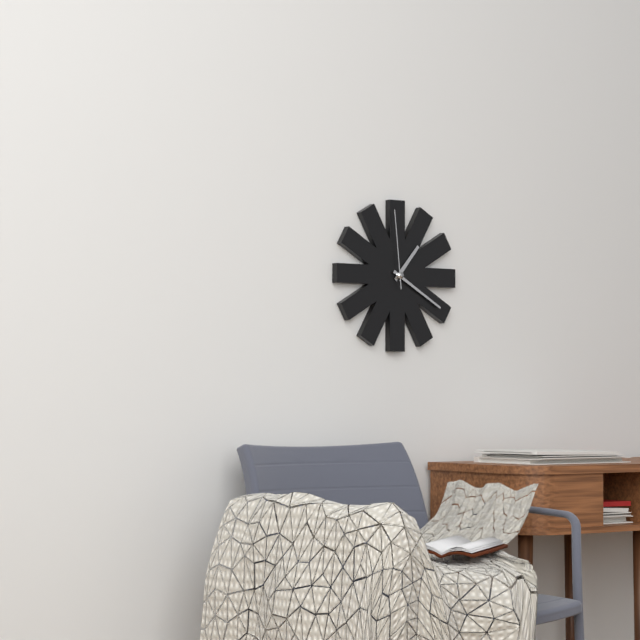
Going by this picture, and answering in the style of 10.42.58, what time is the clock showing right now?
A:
1.20.59
